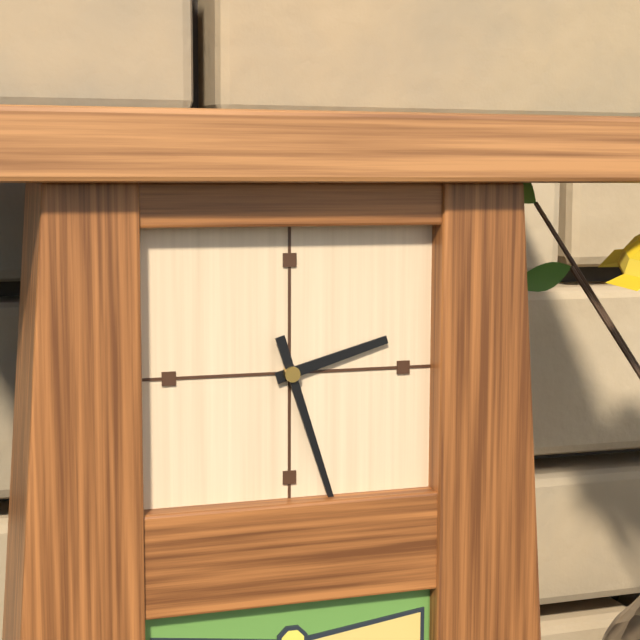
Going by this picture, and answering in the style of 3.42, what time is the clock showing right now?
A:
2.27
